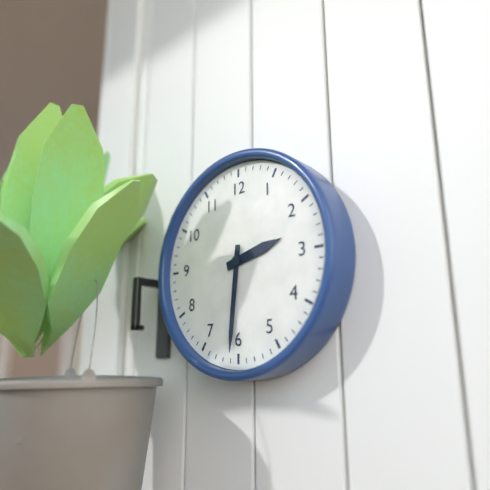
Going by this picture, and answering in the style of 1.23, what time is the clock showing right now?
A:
2.31
